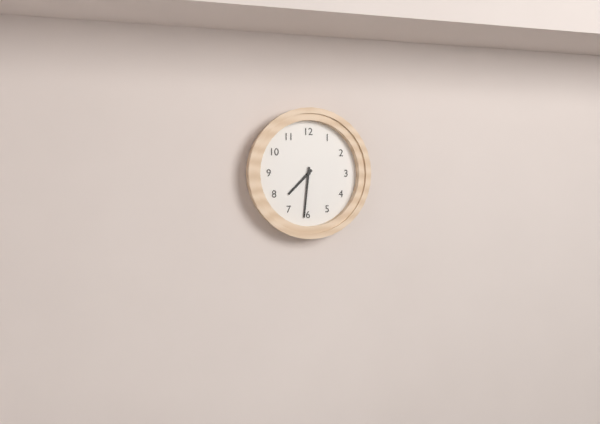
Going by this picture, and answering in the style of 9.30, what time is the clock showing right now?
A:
7.31
